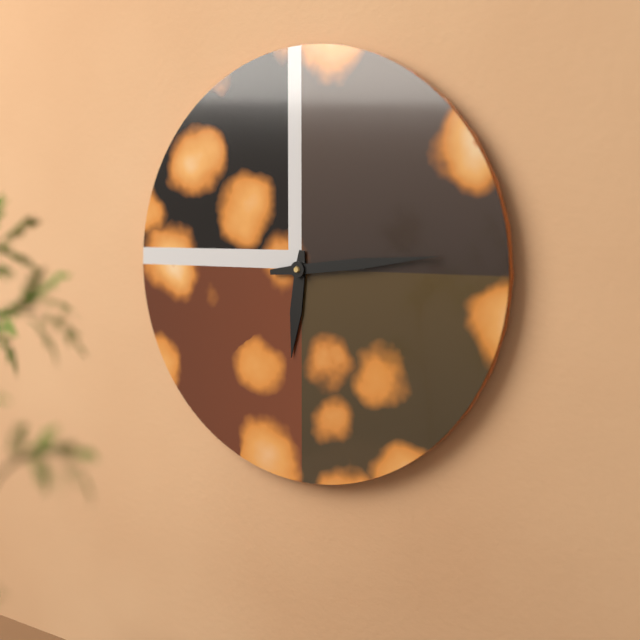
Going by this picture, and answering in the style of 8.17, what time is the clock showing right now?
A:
6.14
